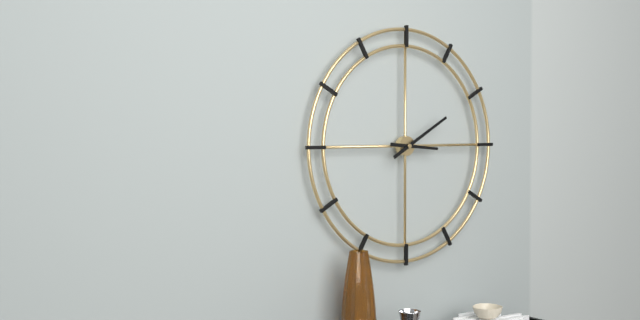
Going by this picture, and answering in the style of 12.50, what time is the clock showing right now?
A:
3.10
